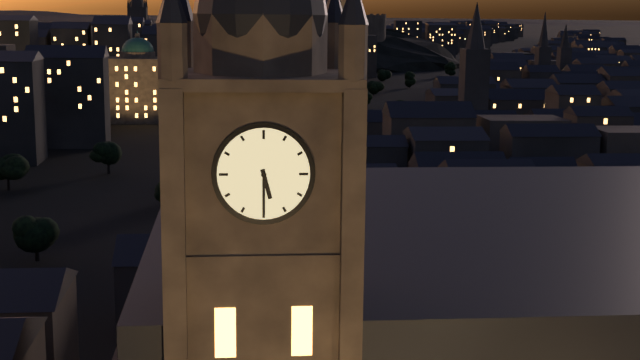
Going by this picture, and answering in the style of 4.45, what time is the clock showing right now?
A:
5.30
